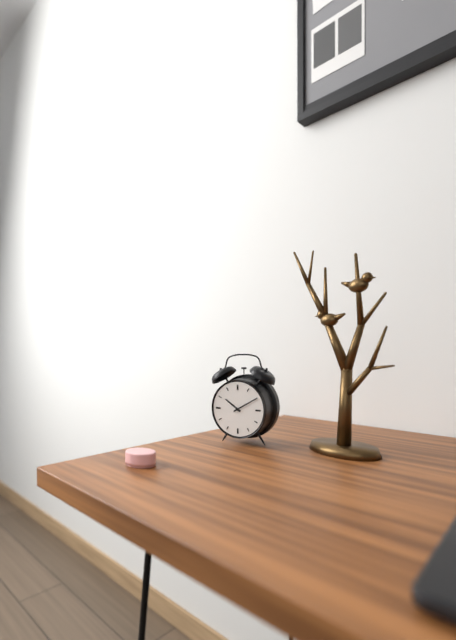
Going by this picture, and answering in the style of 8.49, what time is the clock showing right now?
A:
10.10
